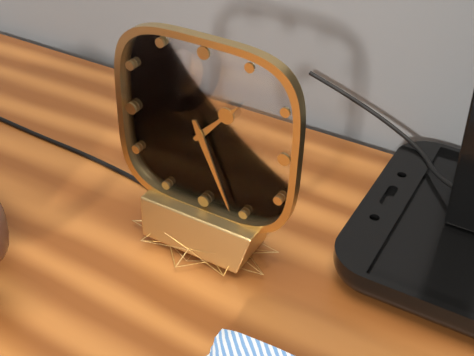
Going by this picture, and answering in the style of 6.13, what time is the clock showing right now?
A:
1.26
